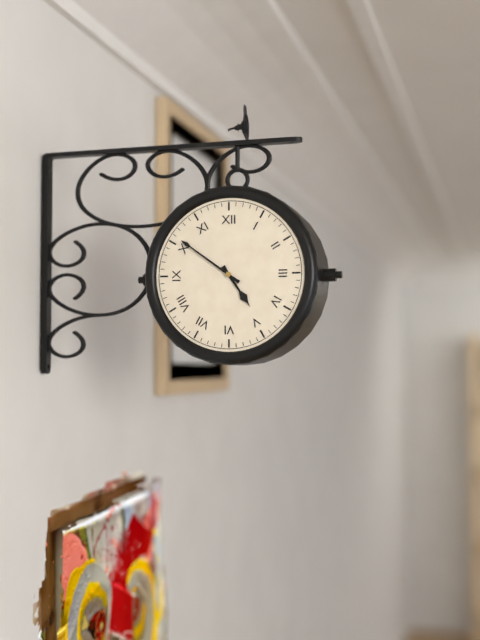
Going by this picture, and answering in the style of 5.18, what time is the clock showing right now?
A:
4.51
